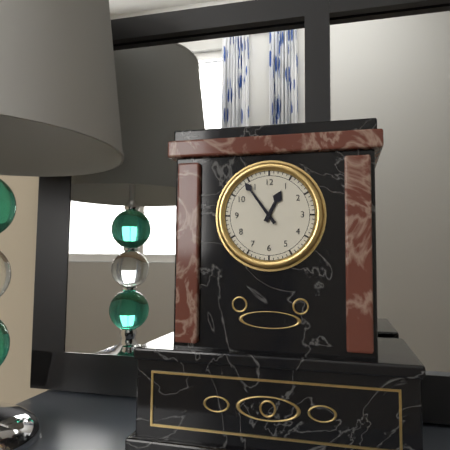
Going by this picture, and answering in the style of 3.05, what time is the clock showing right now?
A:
12.54
